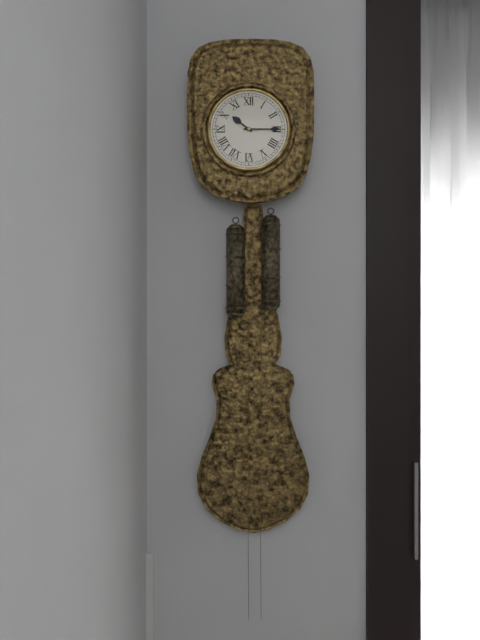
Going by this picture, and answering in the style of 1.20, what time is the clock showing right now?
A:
10.15
